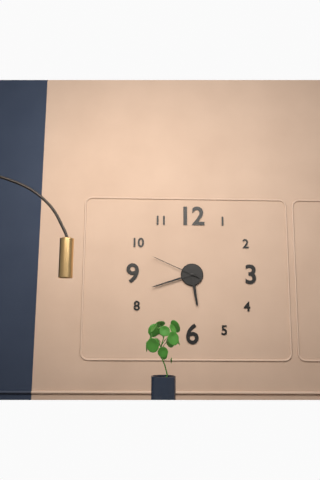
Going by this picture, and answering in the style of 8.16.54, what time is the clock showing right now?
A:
5.42.49
